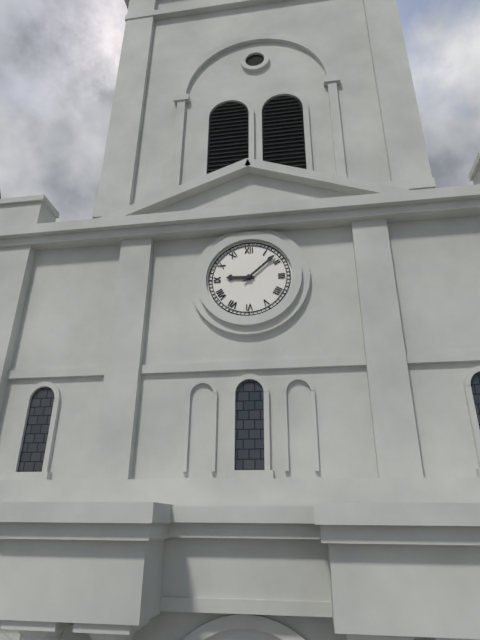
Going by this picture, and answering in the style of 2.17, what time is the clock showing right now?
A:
9.08
